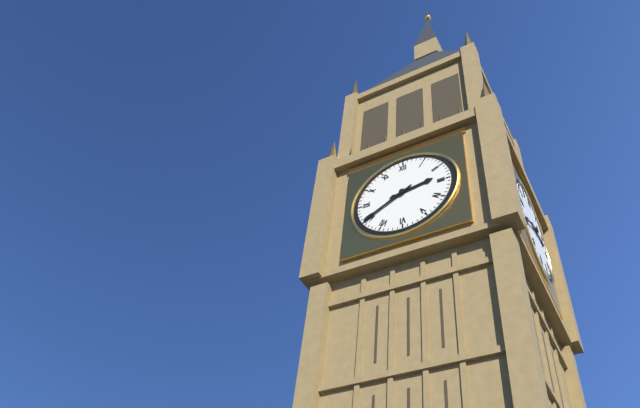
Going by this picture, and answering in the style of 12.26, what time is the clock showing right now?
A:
2.40
